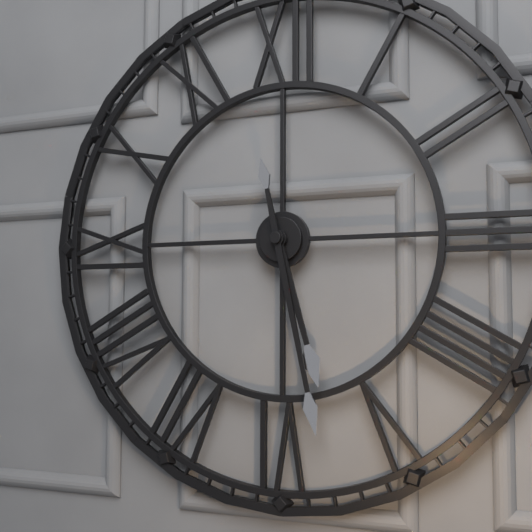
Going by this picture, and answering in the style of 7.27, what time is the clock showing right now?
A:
5.28
